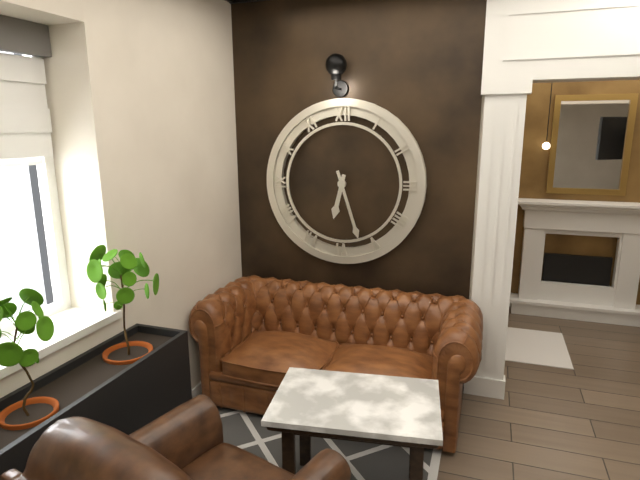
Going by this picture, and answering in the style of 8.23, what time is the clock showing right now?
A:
6.27
